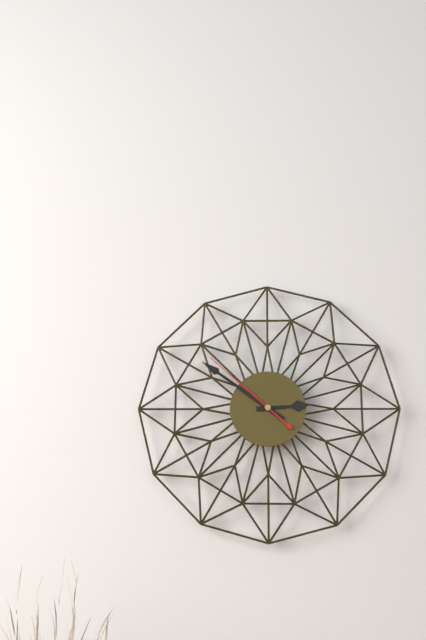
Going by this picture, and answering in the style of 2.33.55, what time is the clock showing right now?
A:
2.51.52
